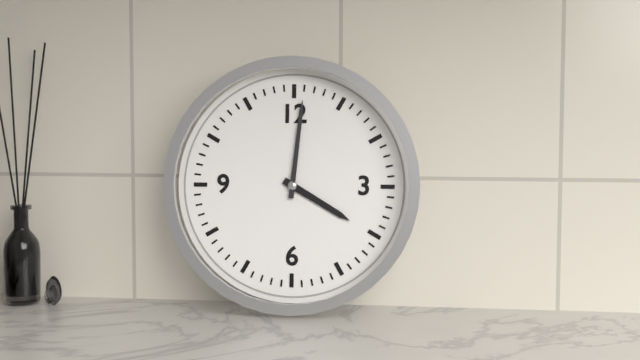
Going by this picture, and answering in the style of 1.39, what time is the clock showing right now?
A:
4.01
